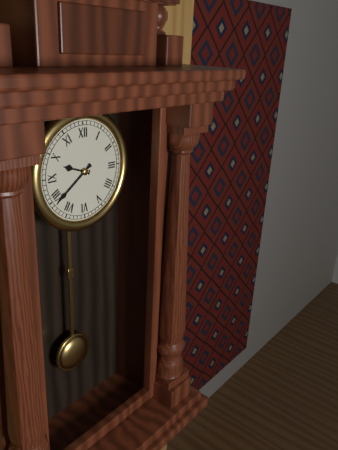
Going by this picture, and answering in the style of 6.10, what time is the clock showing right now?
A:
9.39
